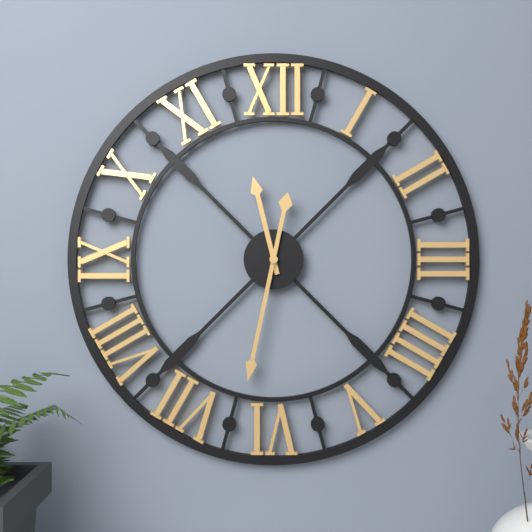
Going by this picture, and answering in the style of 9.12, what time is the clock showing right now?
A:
11.32
